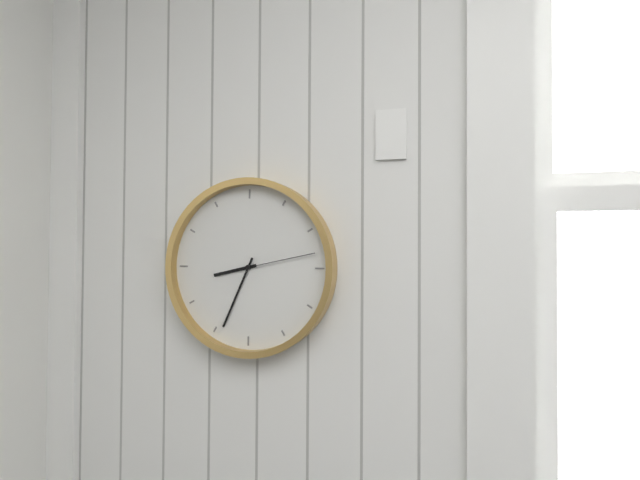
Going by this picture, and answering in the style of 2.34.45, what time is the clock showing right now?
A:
8.34.13
